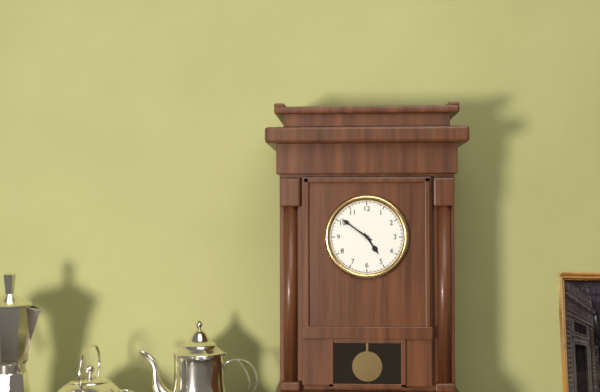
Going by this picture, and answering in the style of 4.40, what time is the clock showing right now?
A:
4.51
